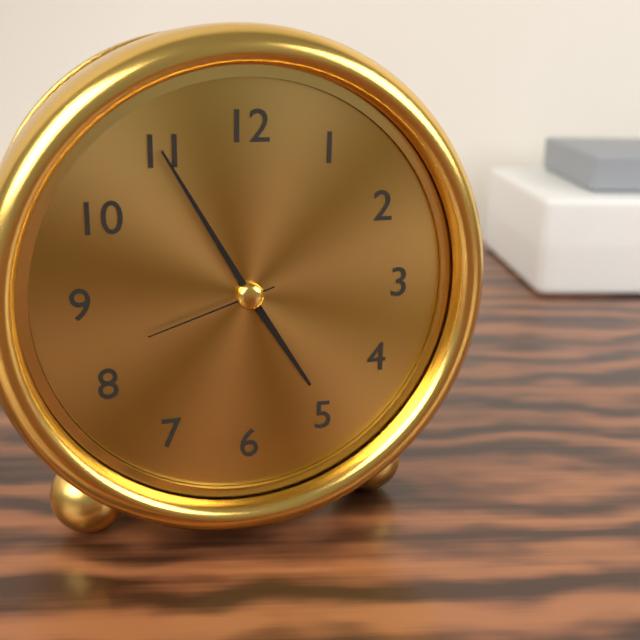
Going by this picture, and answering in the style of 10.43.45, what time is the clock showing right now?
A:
4.55.42
